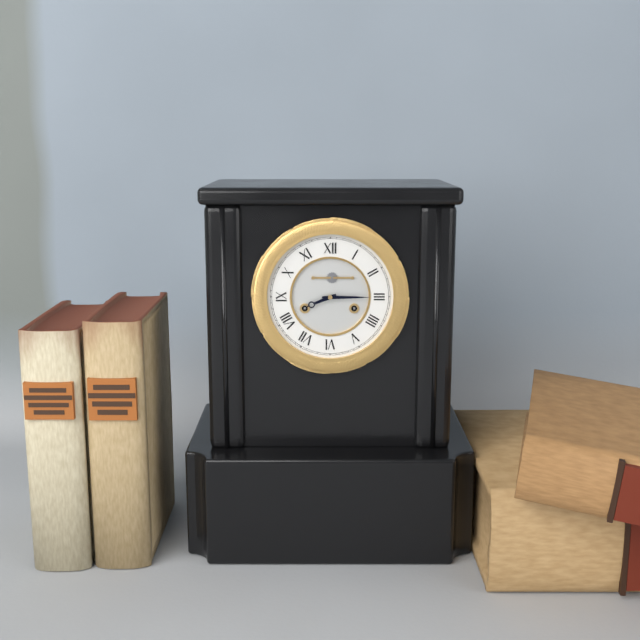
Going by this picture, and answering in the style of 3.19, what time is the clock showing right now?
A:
8.15
